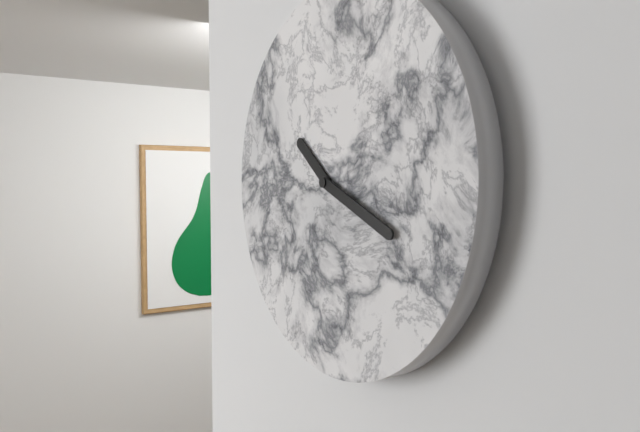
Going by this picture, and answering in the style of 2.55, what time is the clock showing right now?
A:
10.19
